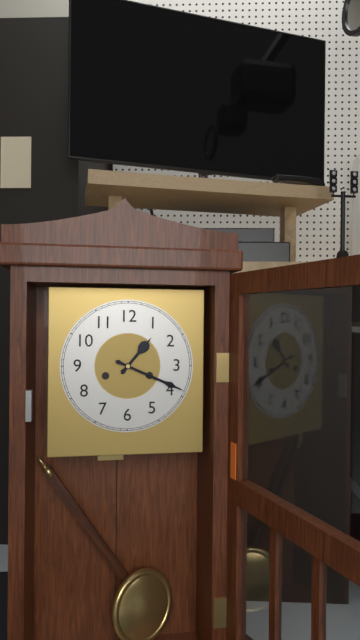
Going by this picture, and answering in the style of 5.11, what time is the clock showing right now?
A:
1.19
